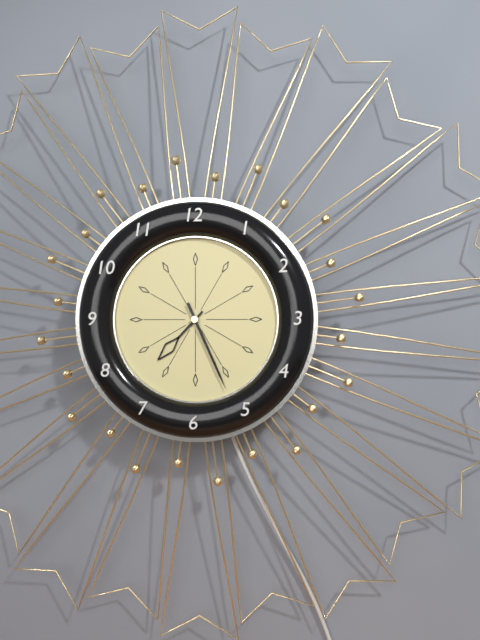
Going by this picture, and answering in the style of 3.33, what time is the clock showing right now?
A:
7.26
